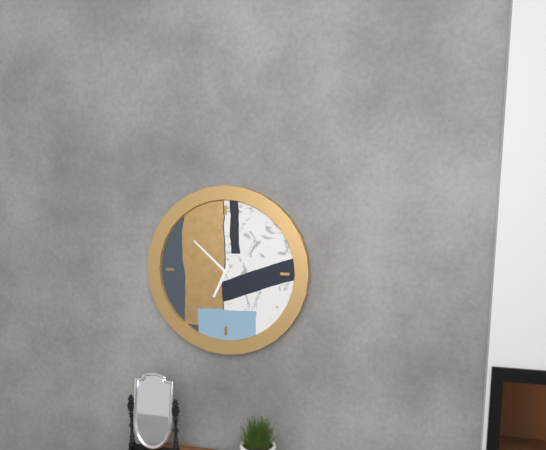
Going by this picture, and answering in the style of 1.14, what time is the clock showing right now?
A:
6.52
